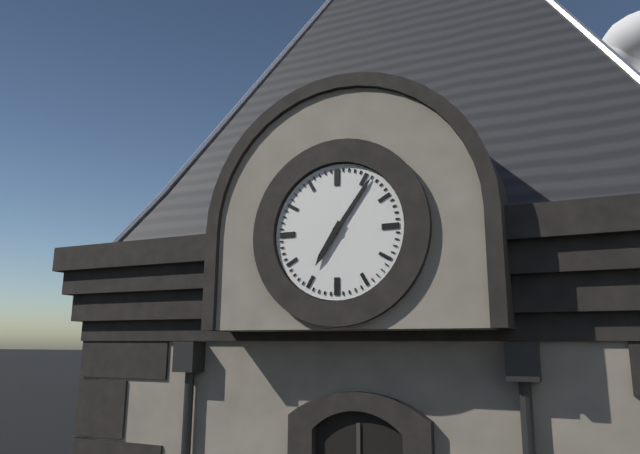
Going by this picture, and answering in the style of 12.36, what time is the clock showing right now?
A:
7.06
